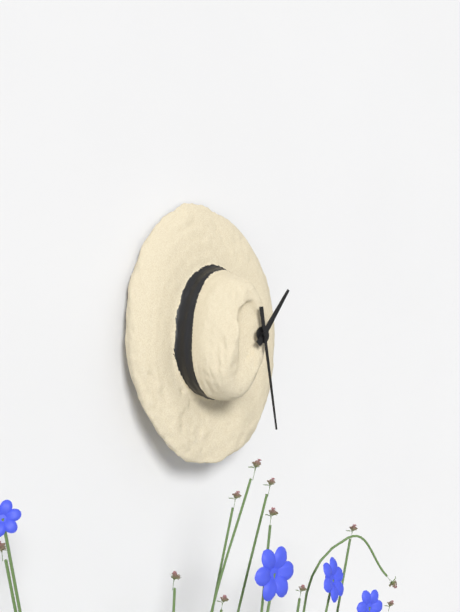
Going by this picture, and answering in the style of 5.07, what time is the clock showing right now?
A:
1.30
